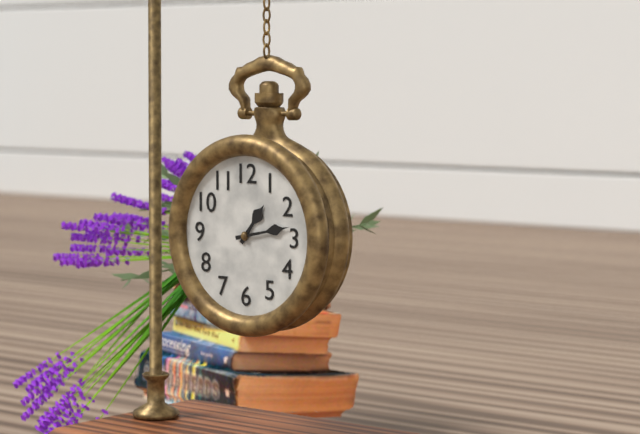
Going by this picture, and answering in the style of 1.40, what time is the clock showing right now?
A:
1.13
